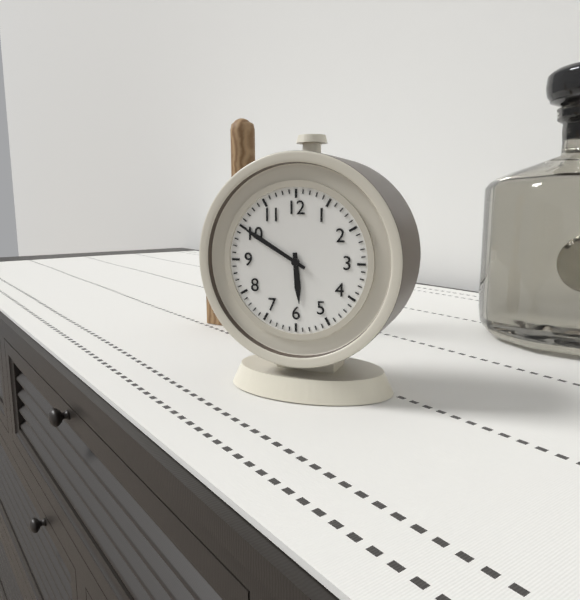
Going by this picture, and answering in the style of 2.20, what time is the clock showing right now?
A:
5.50
